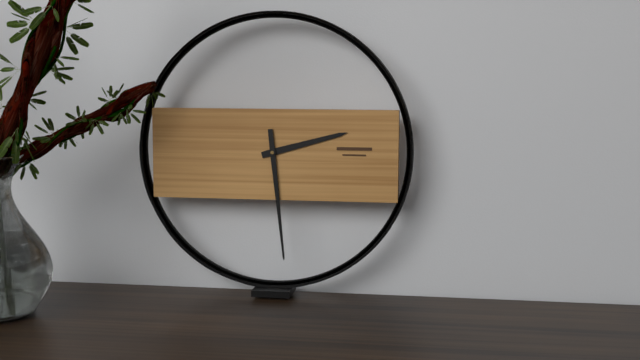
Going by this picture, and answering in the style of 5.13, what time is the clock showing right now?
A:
2.29
